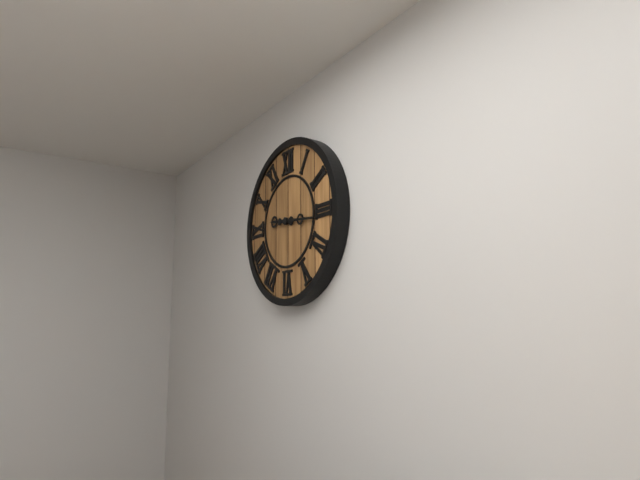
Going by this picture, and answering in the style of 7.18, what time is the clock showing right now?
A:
9.16
